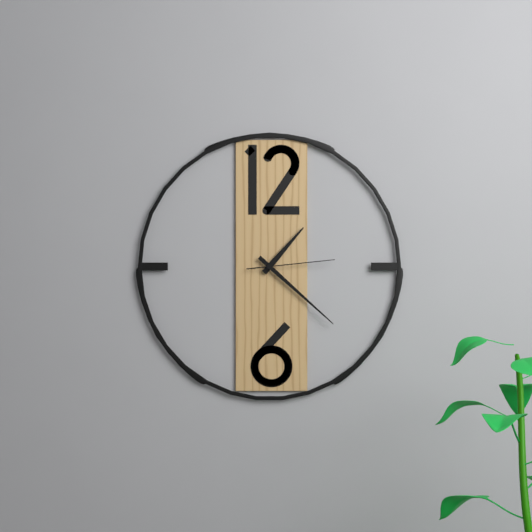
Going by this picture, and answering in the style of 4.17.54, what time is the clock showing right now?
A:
1.22.14
